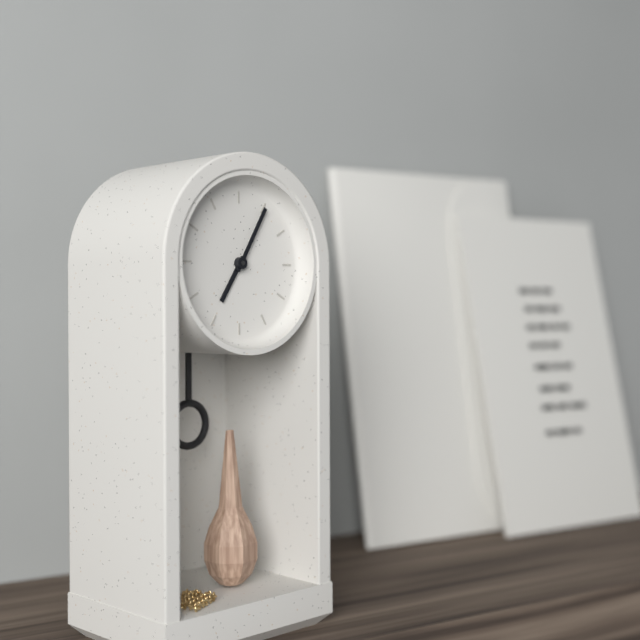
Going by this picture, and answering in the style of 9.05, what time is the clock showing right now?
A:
7.05
